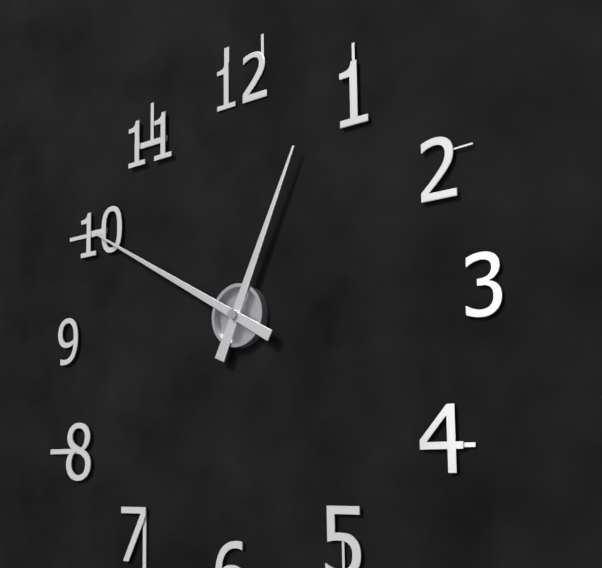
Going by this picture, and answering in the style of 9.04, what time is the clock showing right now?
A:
12.50
